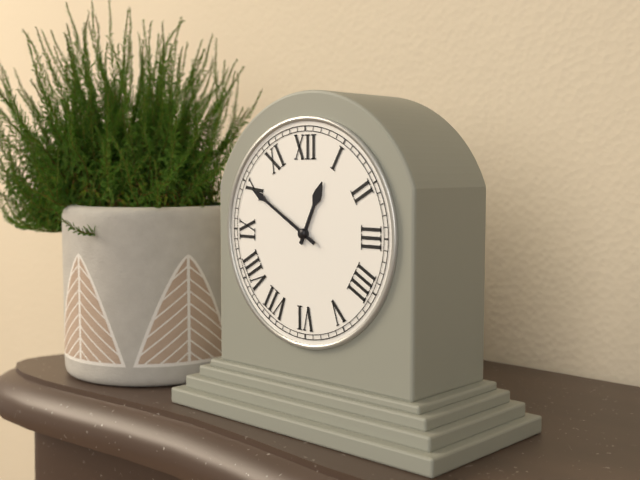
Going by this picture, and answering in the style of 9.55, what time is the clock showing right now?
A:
12.50
